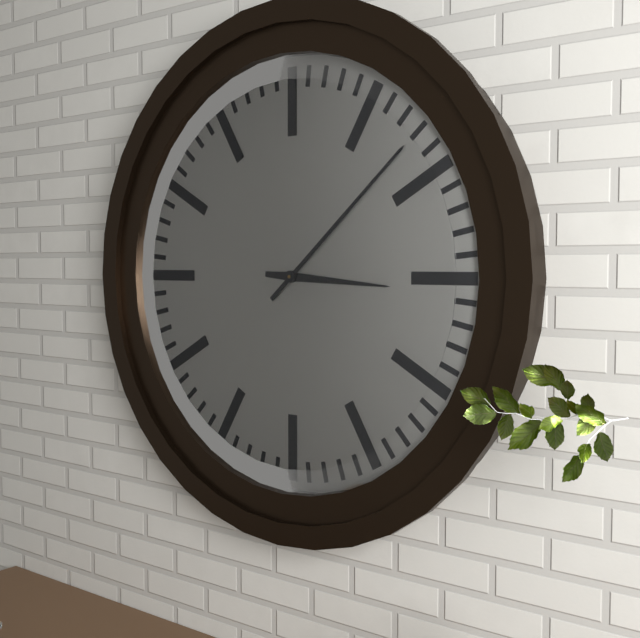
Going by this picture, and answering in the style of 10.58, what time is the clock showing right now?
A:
3.08
